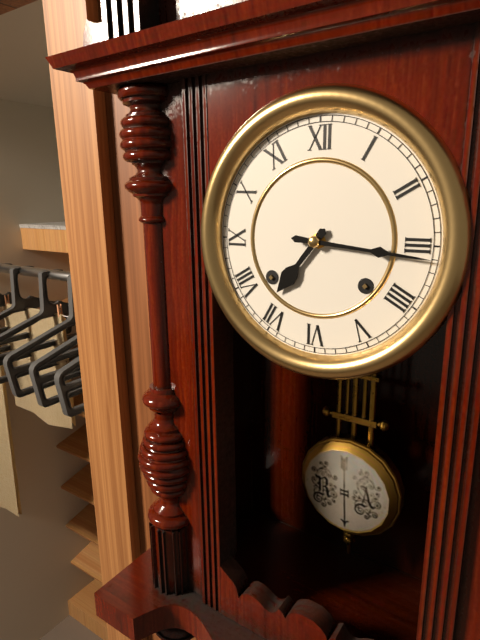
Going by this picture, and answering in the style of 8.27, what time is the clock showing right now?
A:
7.16
